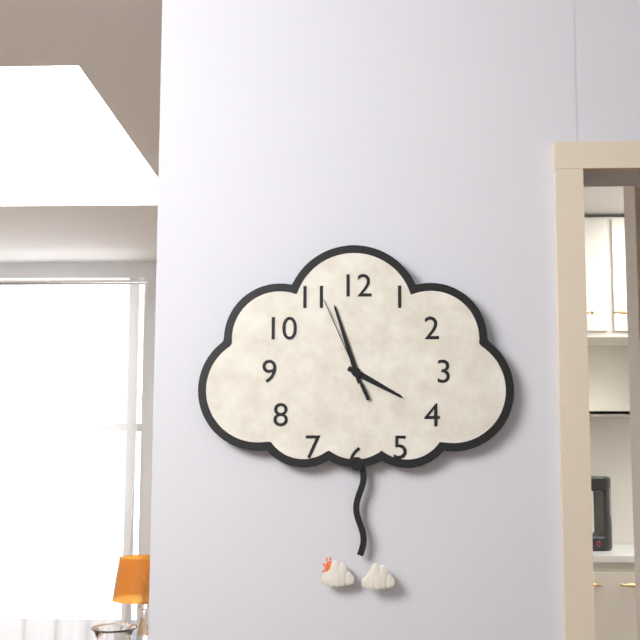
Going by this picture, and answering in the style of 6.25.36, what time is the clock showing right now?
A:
3.57.56
